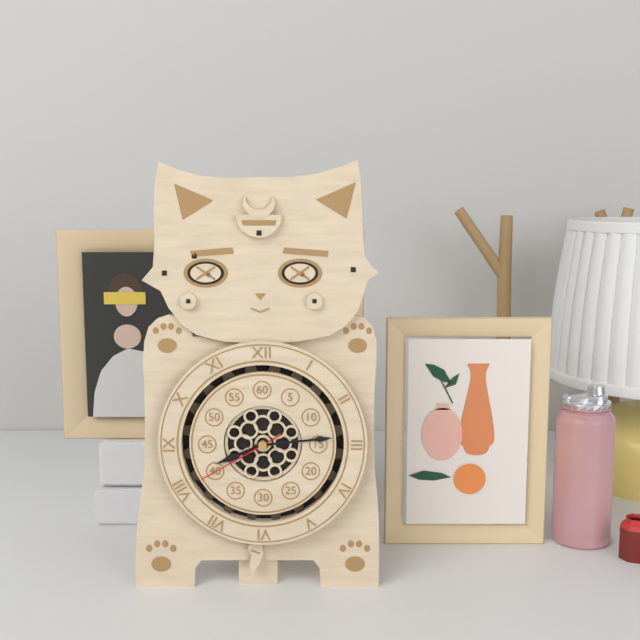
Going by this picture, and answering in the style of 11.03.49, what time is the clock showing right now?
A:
8.14.40
